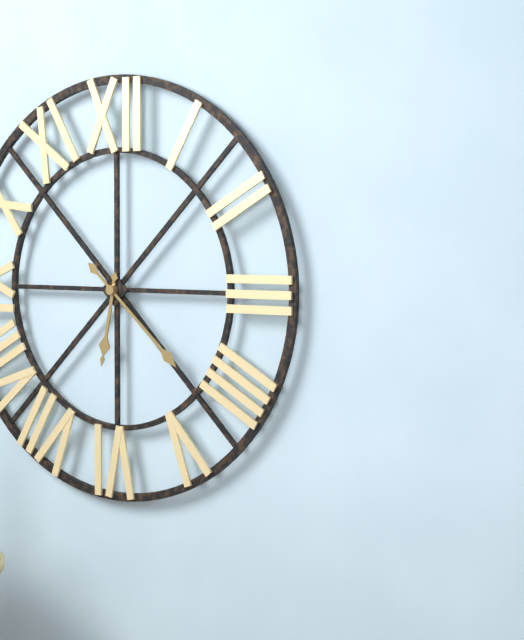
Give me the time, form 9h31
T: 6h22
